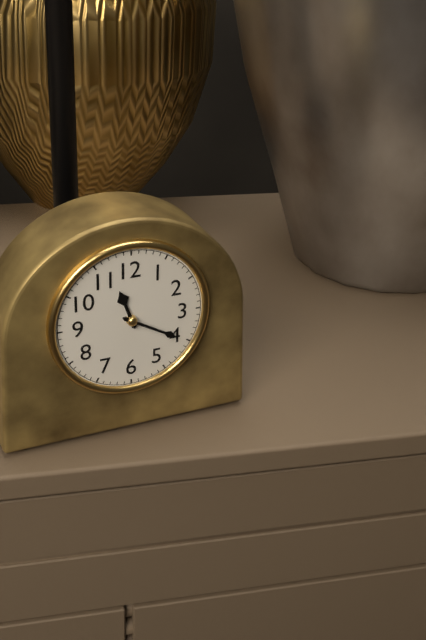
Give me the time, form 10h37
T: 11h20
